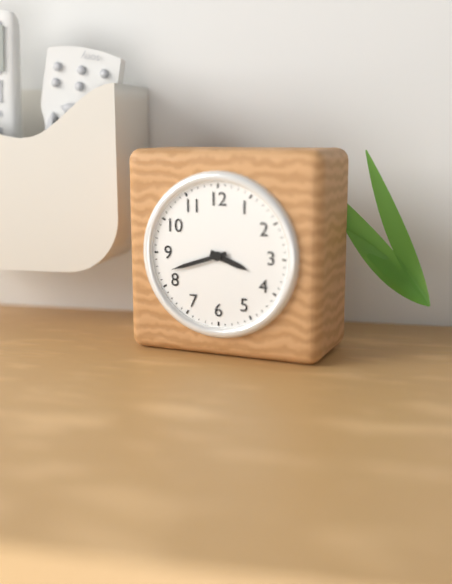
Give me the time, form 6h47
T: 3h42
